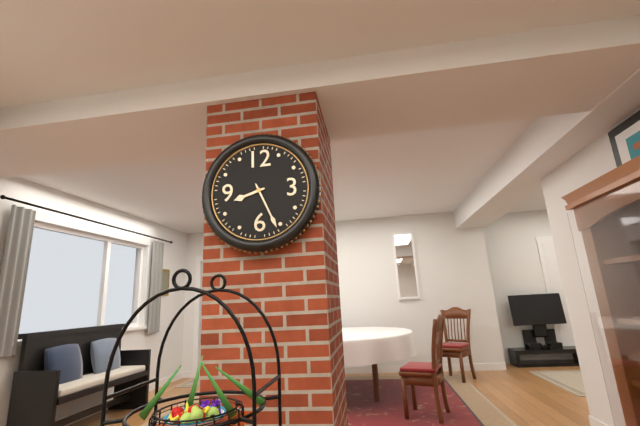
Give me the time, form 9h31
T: 8h26
